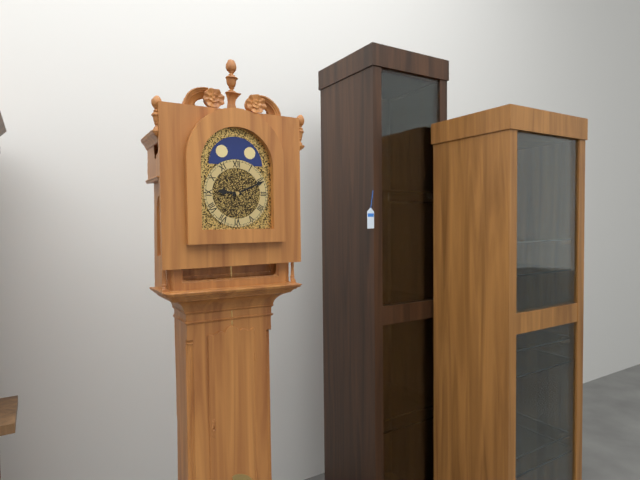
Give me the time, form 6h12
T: 9h11
